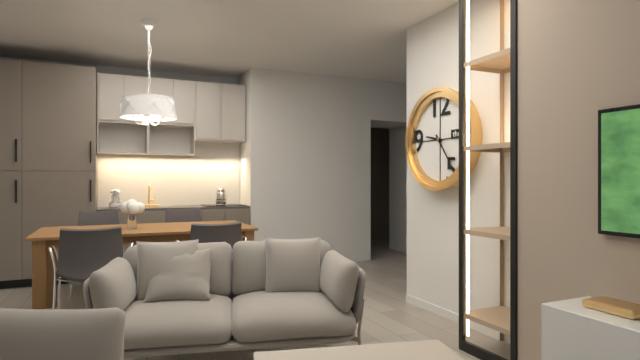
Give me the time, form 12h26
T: 9h24
